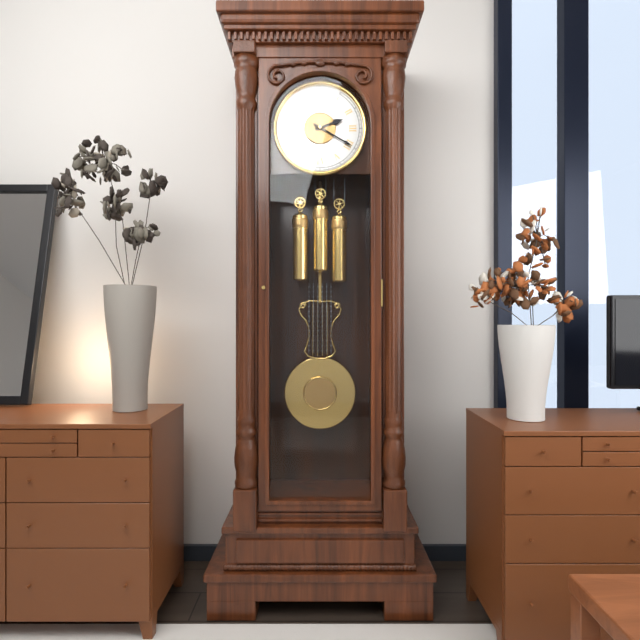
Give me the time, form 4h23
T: 2h20
